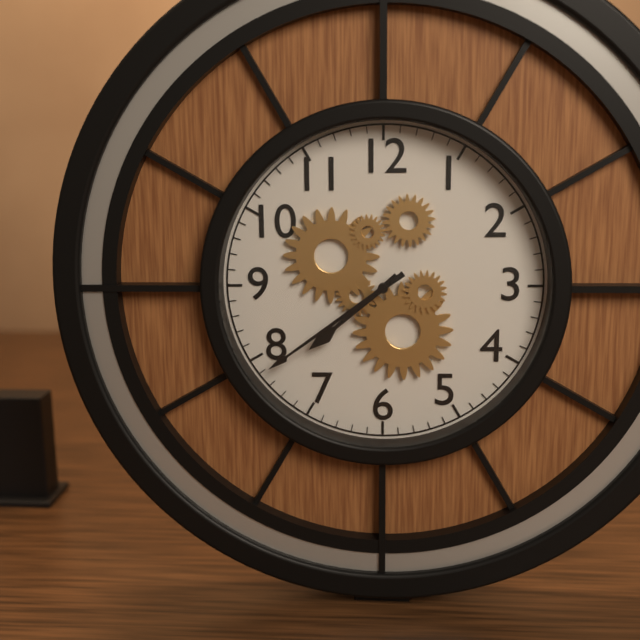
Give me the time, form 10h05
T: 7h39
